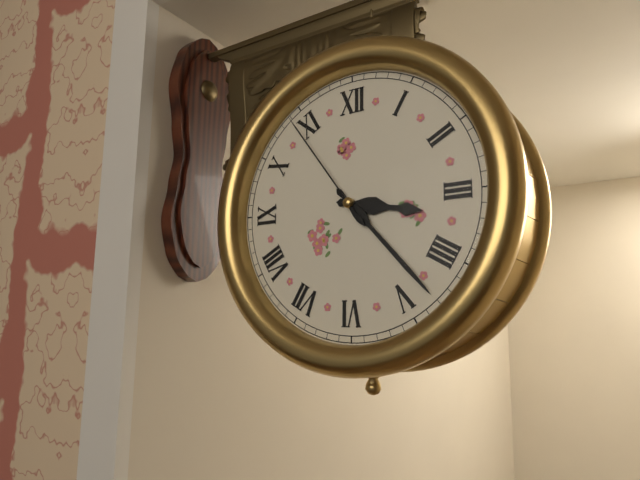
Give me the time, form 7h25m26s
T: 3h23m54s
